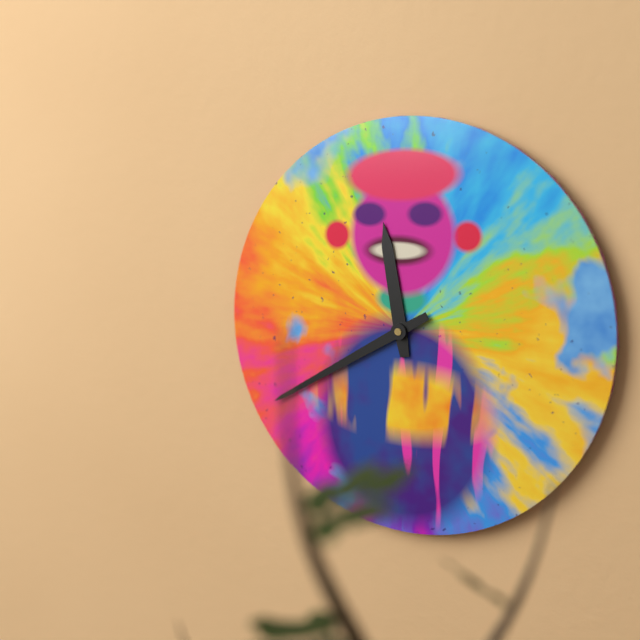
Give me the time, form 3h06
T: 11h40
